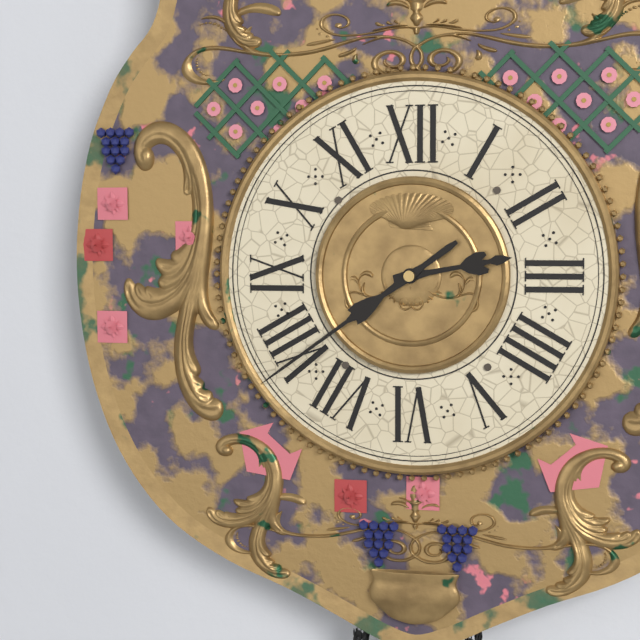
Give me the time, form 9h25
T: 2h39
